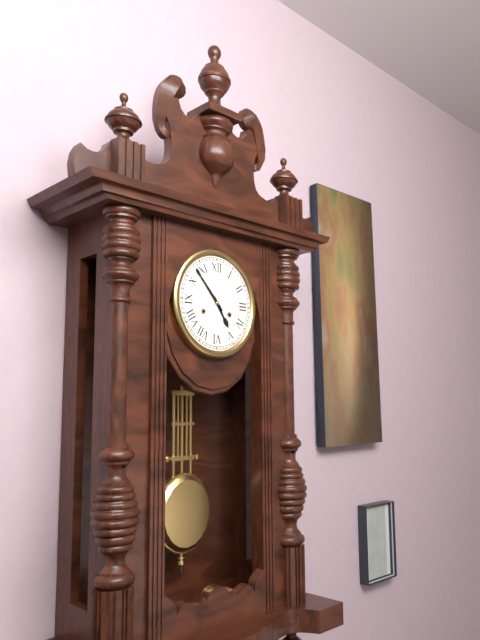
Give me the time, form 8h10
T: 4h53
